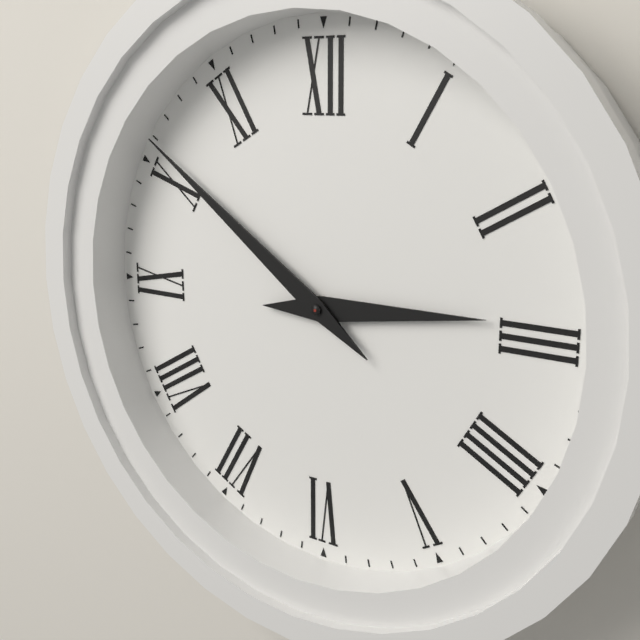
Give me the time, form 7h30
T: 2h51
